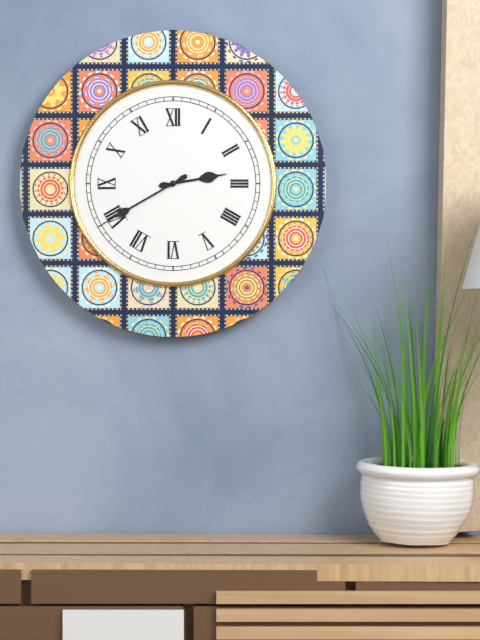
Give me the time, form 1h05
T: 2h40
